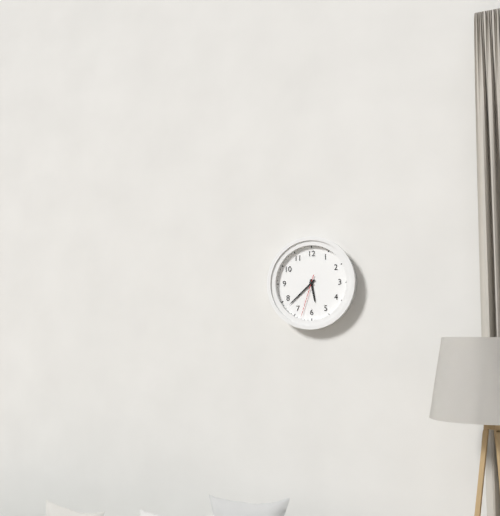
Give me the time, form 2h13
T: 5h38
